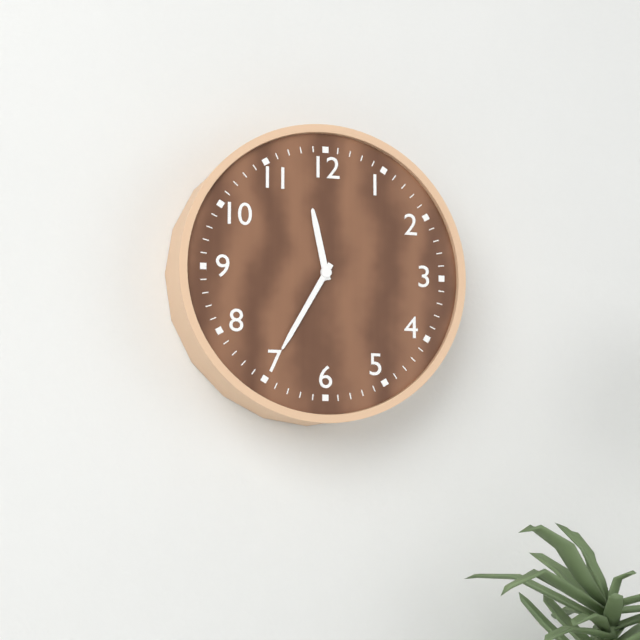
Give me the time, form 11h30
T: 11h35
